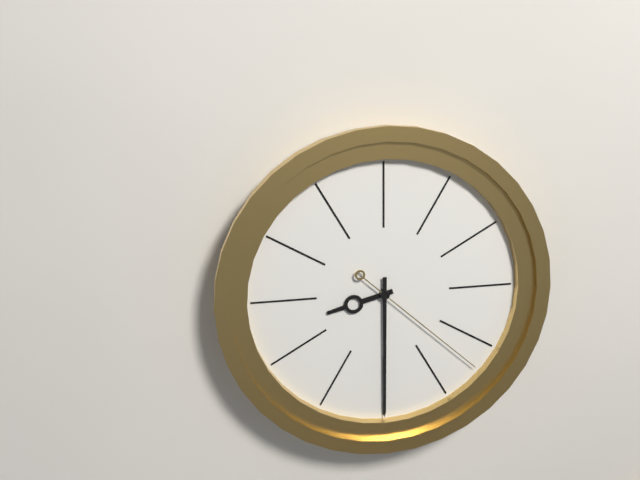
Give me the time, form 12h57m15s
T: 8h30m22s
